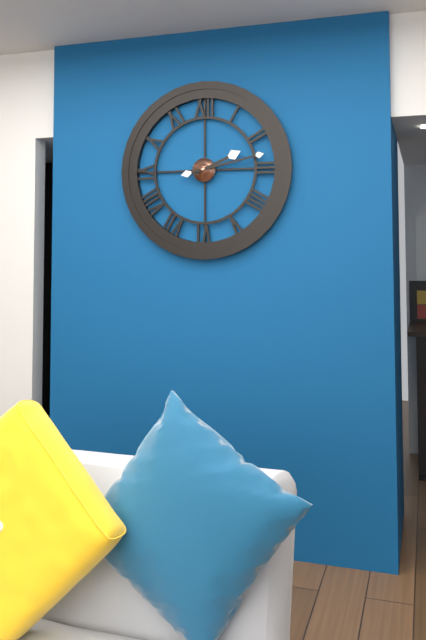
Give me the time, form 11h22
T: 2h13
